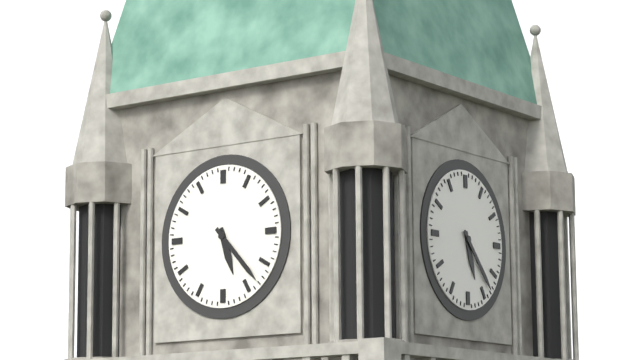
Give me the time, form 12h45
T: 5h23
